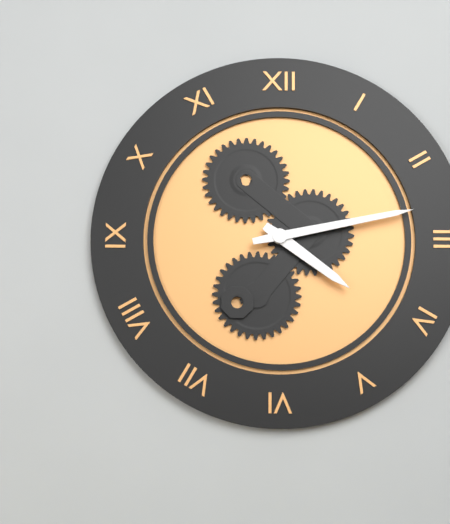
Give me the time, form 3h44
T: 4h13
